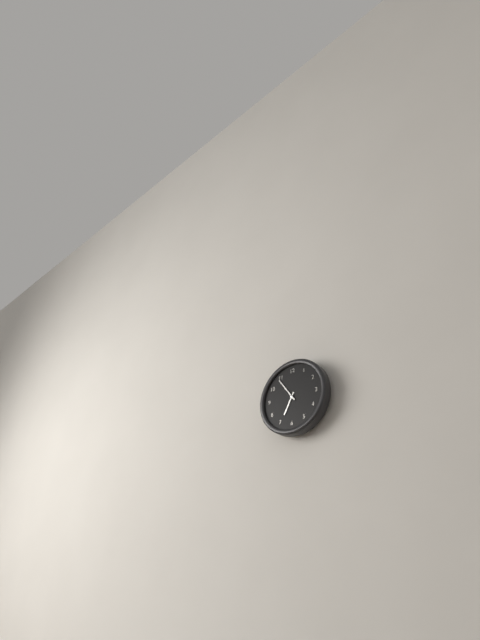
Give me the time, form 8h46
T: 6h54
